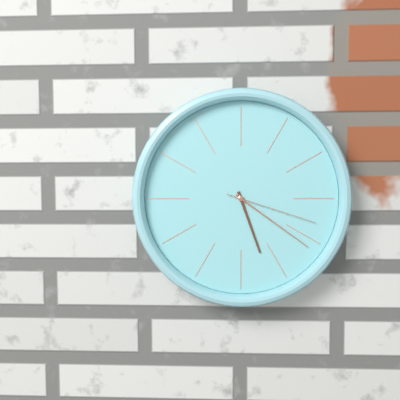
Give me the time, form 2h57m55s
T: 5h21m18s
